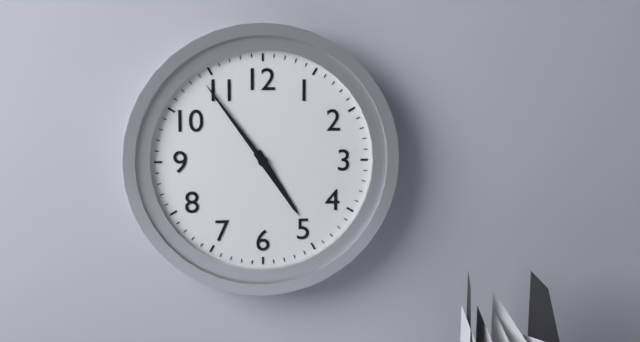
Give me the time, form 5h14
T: 4h54
